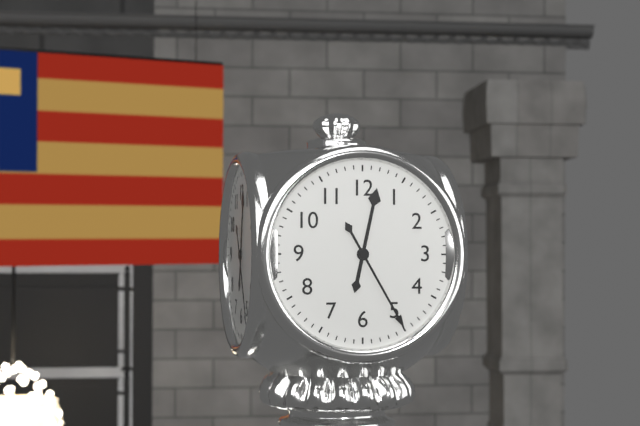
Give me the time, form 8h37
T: 12h25
